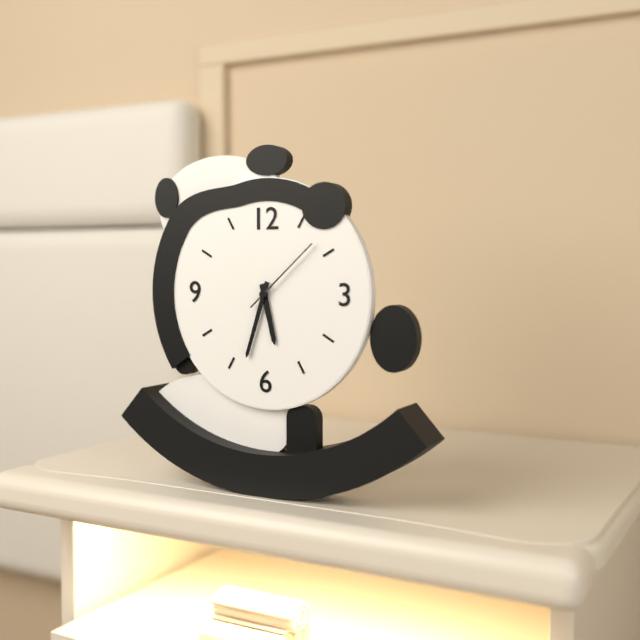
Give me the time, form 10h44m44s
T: 5h33m08s
